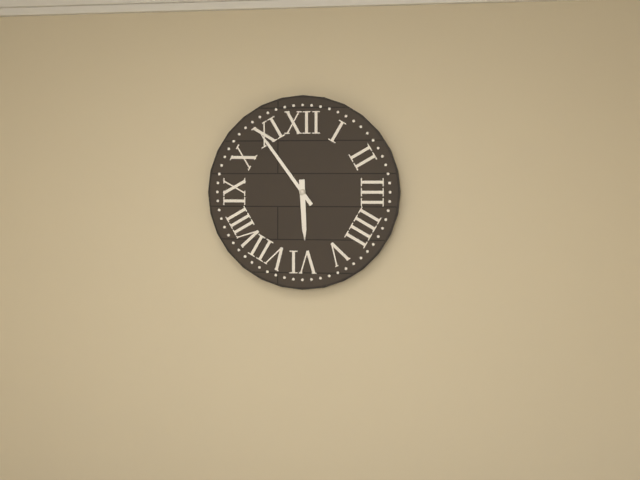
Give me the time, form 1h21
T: 5h54
